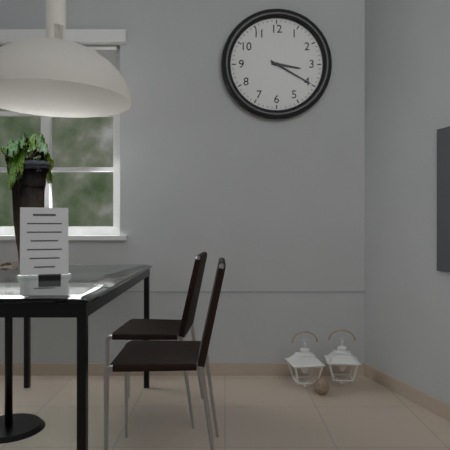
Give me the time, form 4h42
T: 3h20
